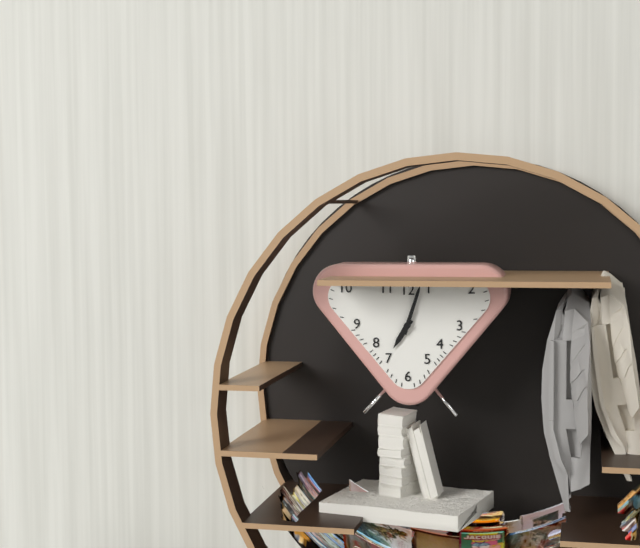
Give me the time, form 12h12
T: 7h03
